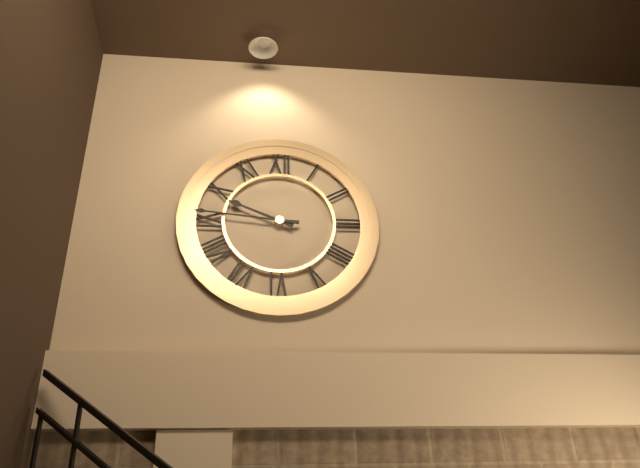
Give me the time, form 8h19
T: 9h46
